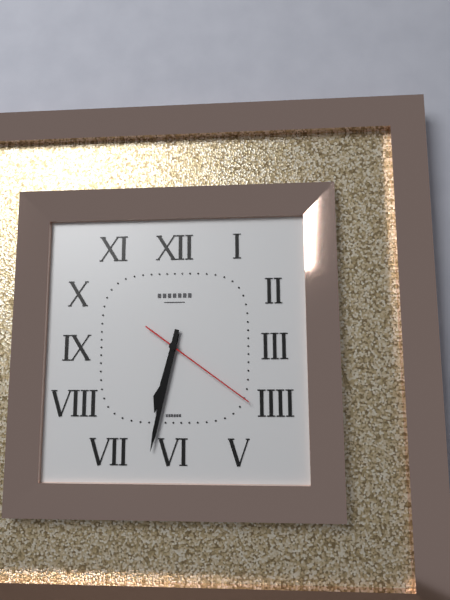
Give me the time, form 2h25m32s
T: 6h32m21s
